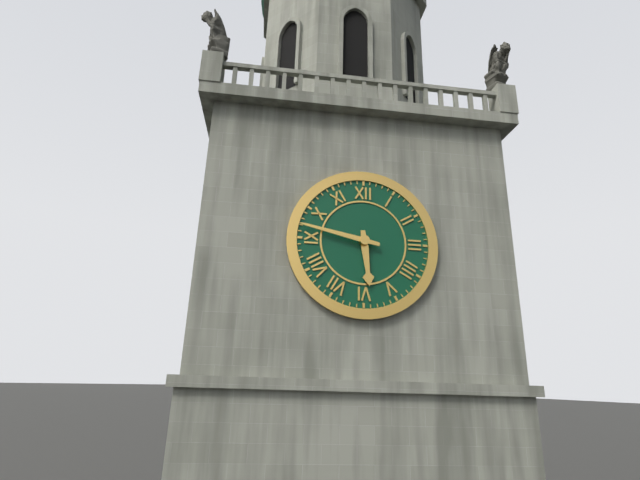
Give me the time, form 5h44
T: 5h47
